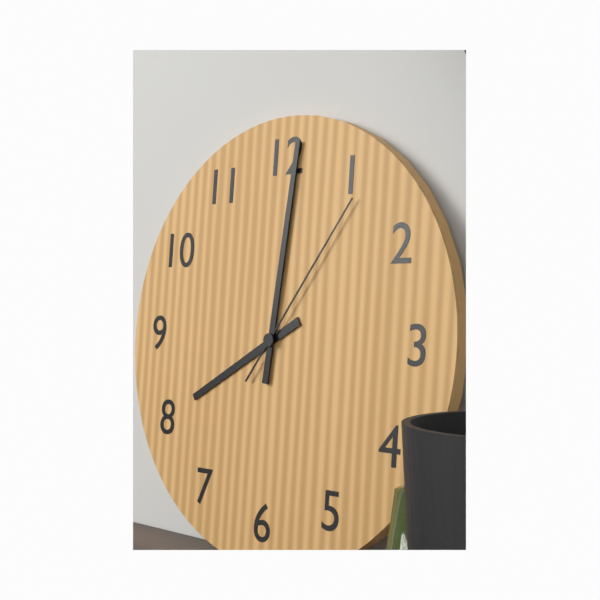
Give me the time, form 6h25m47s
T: 8h01m06s
